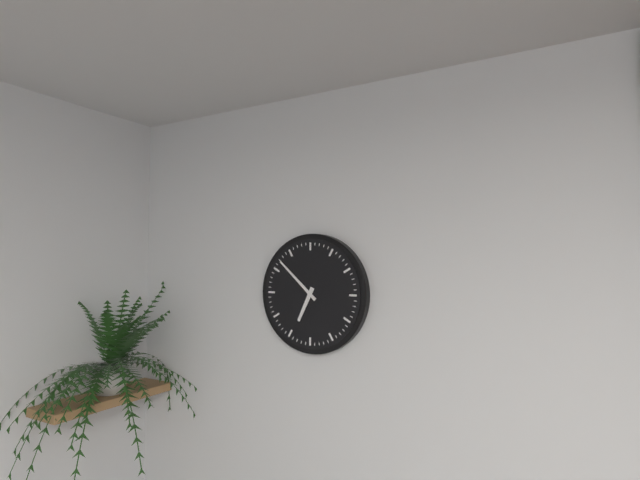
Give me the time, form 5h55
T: 6h52
